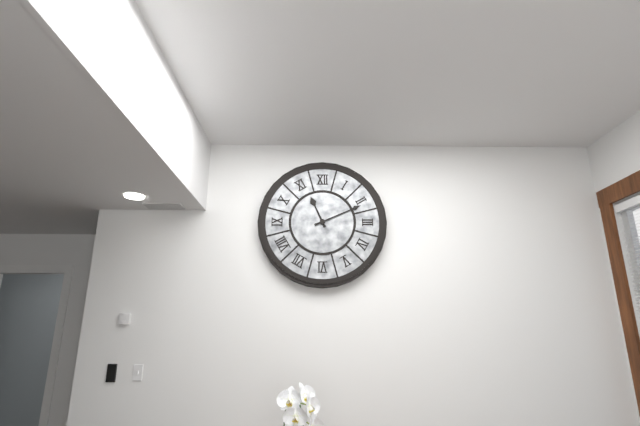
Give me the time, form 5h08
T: 11h11
